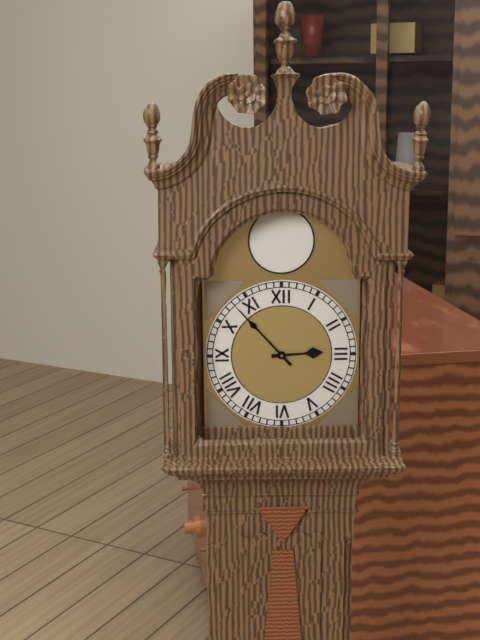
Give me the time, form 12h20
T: 2h53
